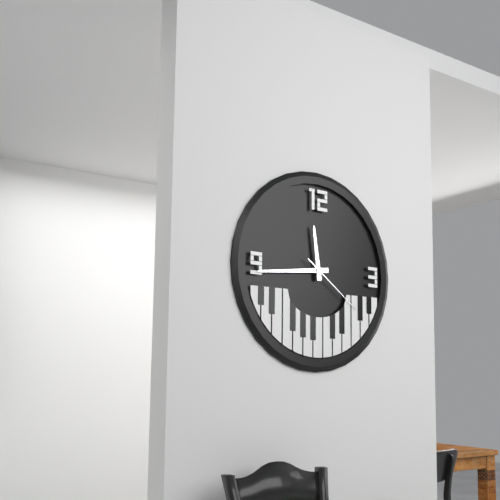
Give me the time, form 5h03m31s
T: 11h44m21s
